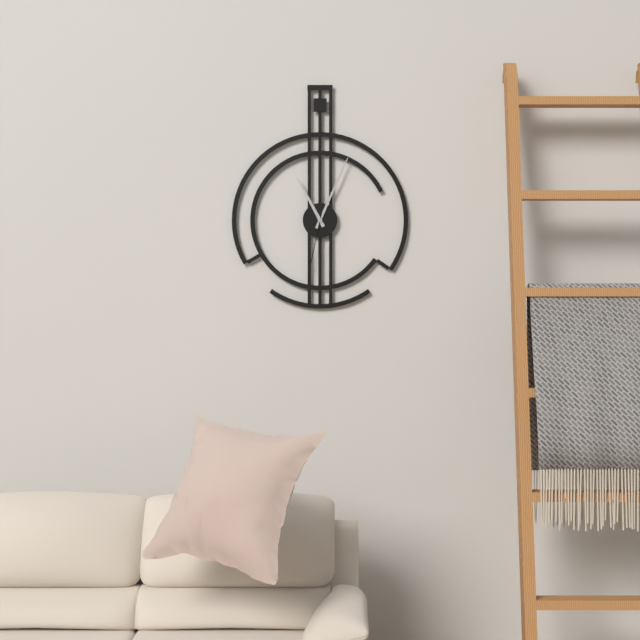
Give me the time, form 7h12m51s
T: 11h04m32s
